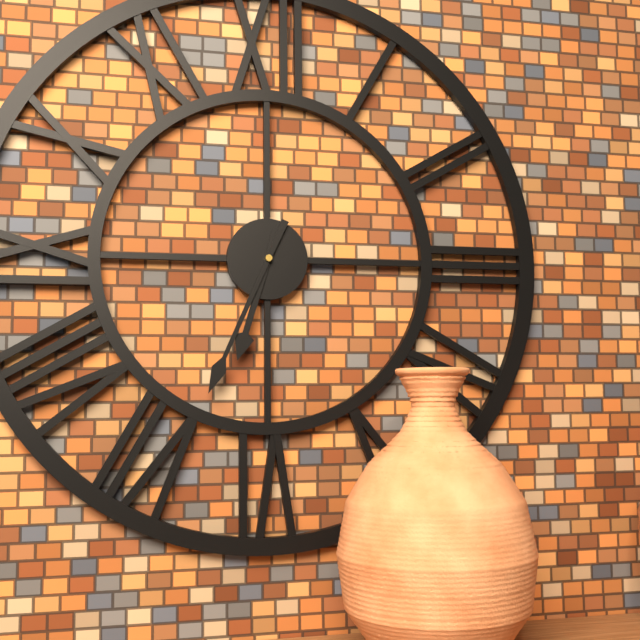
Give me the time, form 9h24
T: 6h34
